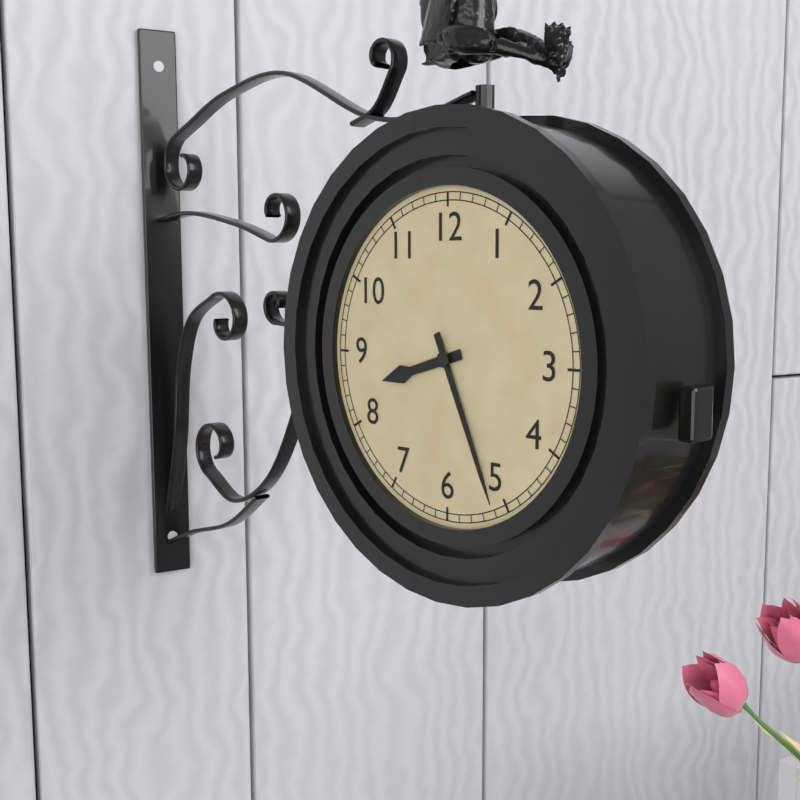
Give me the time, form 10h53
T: 8h26
